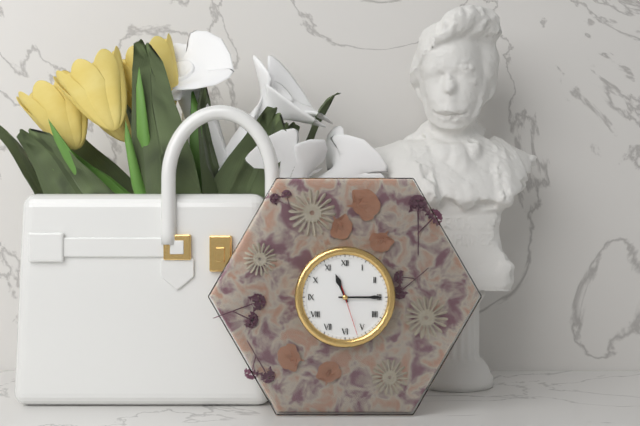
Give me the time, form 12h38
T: 11h15
